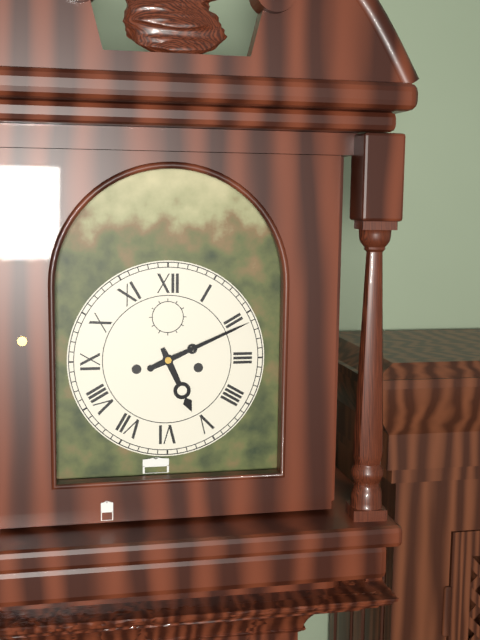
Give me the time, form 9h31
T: 5h11
